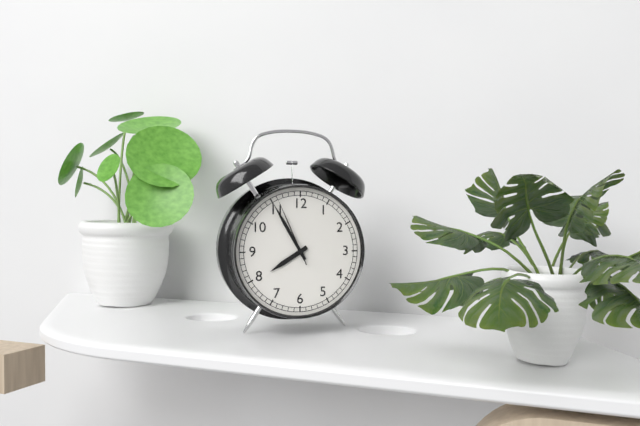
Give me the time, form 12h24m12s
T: 7h55m56s
